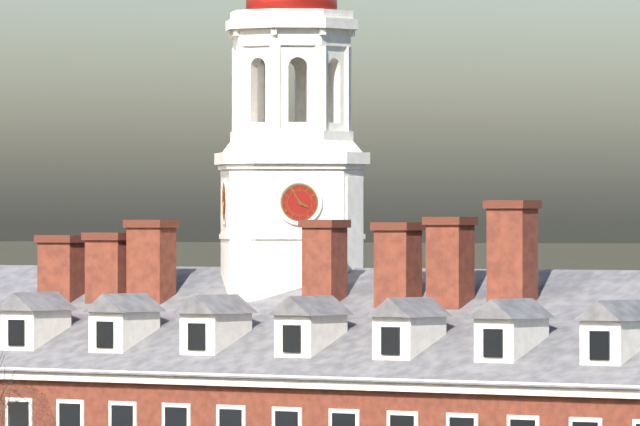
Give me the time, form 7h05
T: 3h55
